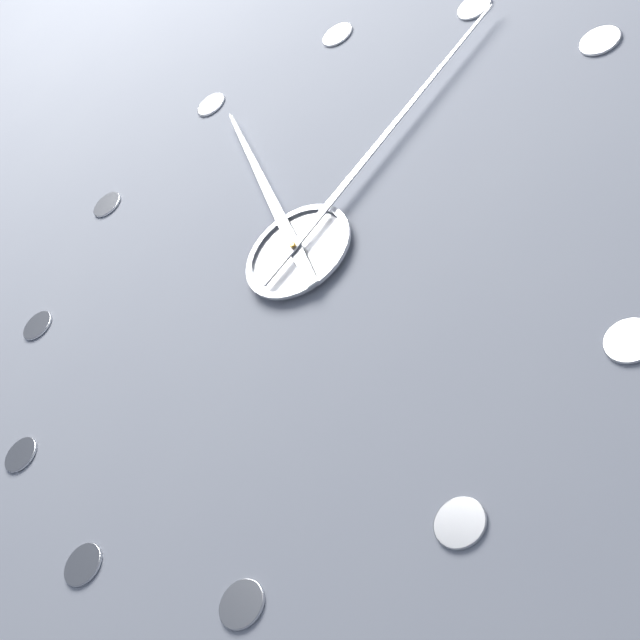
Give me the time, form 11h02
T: 11h06
